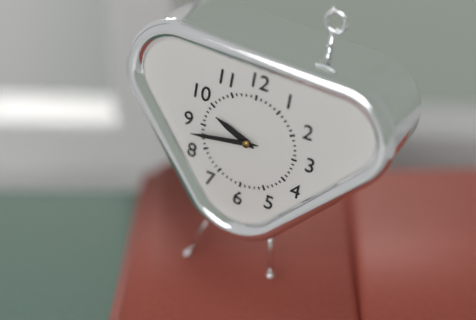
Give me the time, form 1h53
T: 9h43
